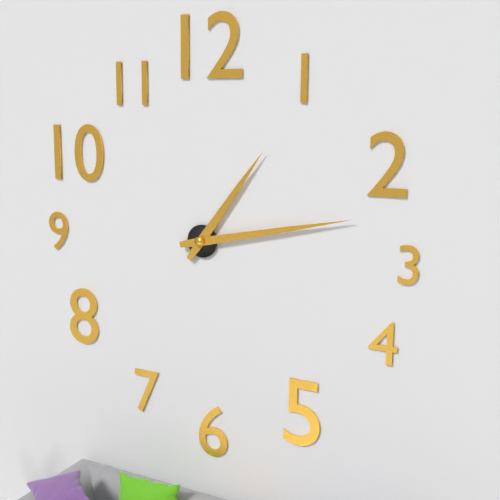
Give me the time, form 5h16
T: 1h13
